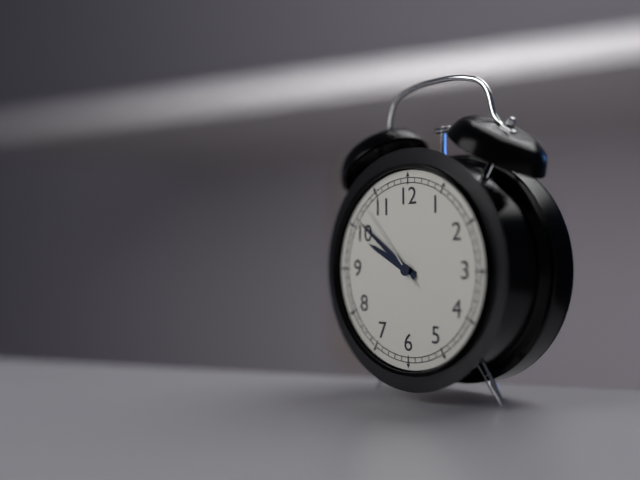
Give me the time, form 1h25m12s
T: 9h51m53s
